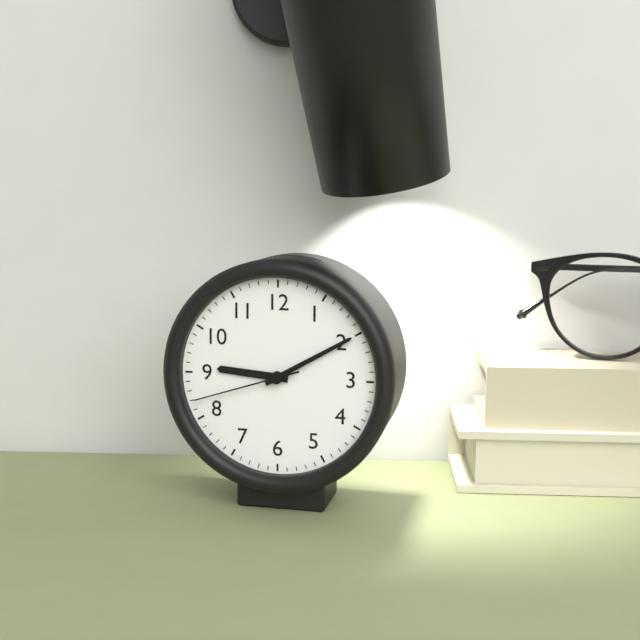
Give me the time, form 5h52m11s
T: 9h10m42s
